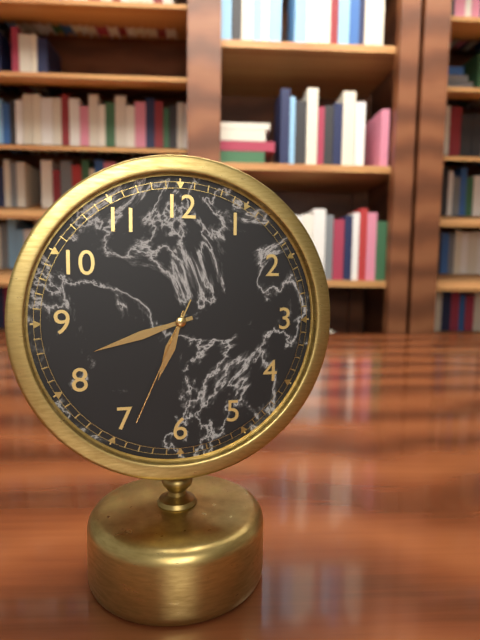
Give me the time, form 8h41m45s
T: 6h42m34s
